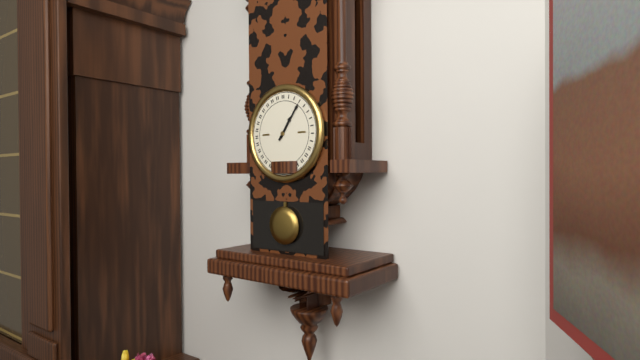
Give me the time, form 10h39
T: 1h06
